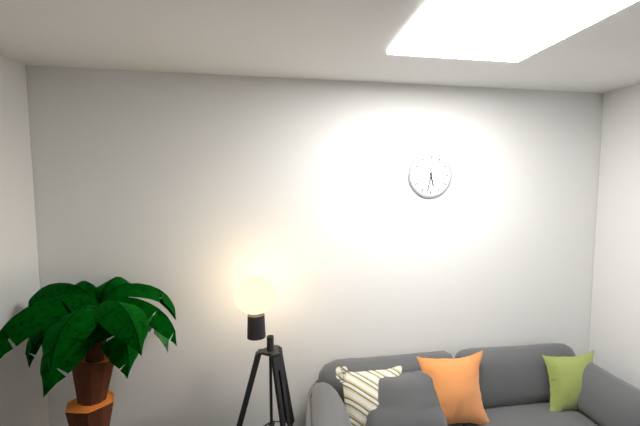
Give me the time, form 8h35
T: 5h32
